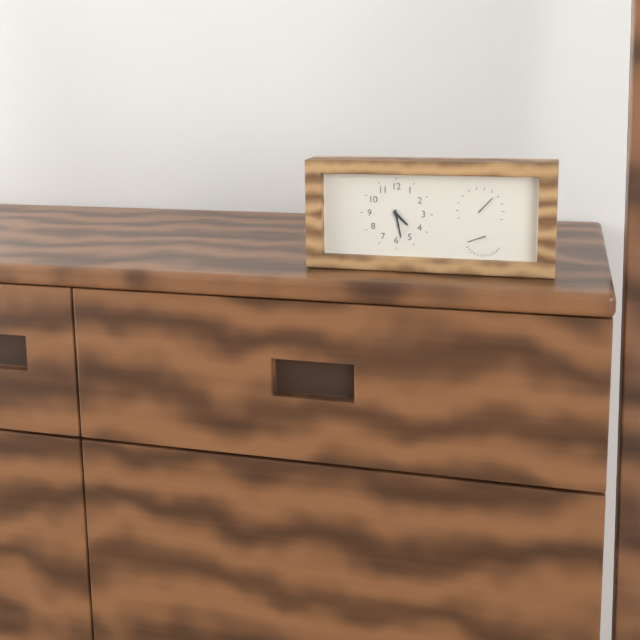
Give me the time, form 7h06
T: 4h28
